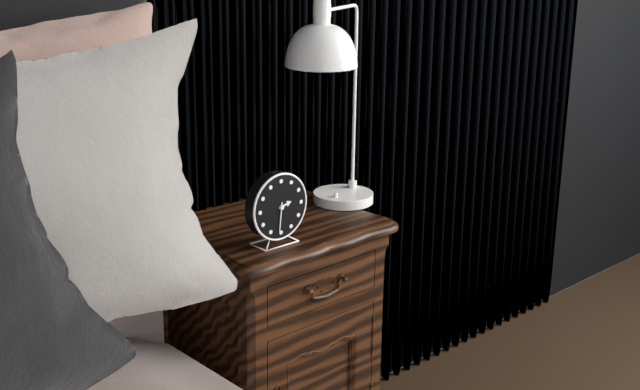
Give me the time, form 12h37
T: 2h31
